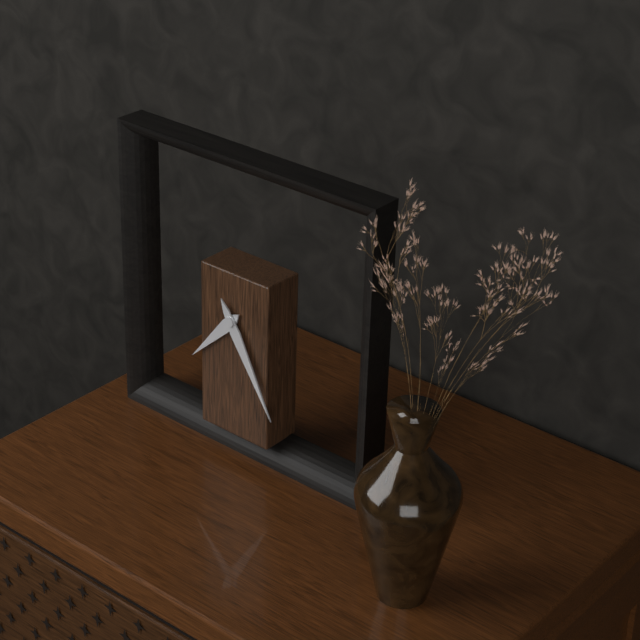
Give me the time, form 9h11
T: 7h25
